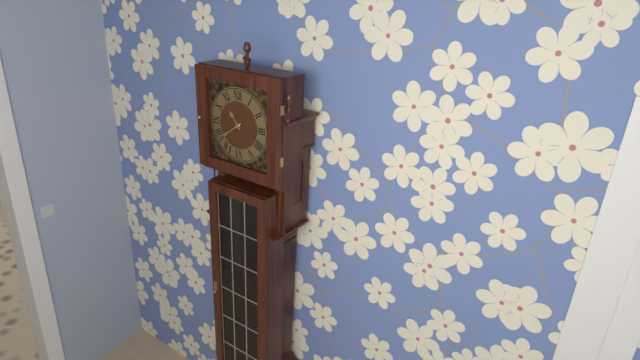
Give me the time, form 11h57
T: 10h39
